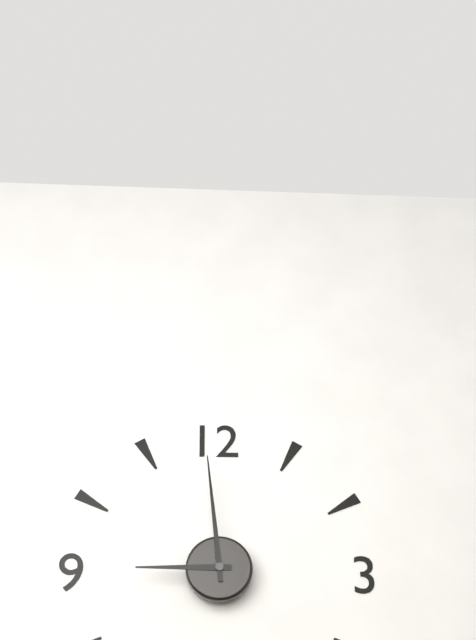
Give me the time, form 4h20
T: 8h59
